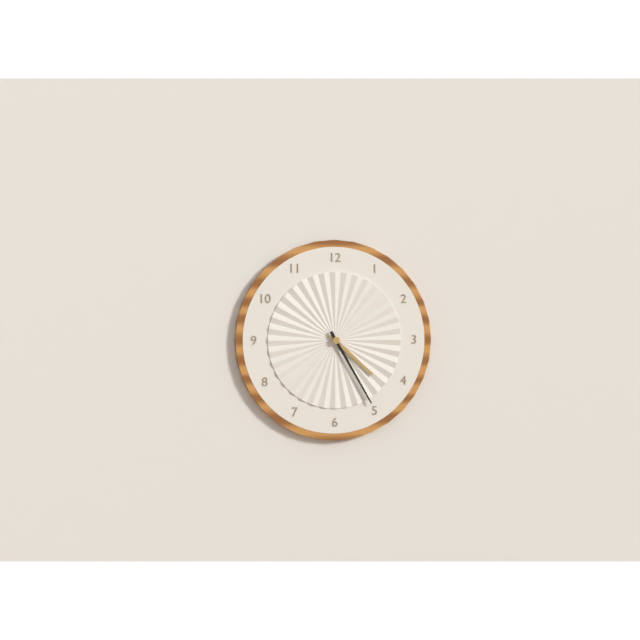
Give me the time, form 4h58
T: 4h25
